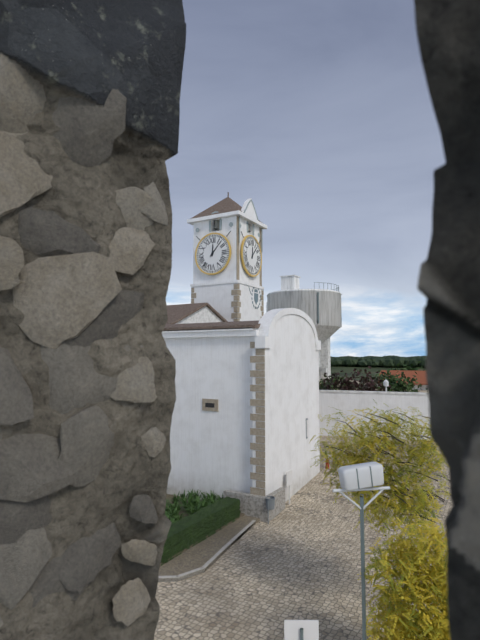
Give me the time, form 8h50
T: 12h07
